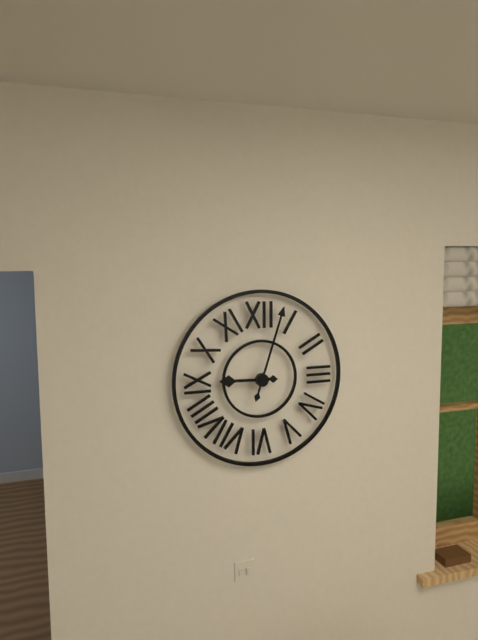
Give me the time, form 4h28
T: 9h03
